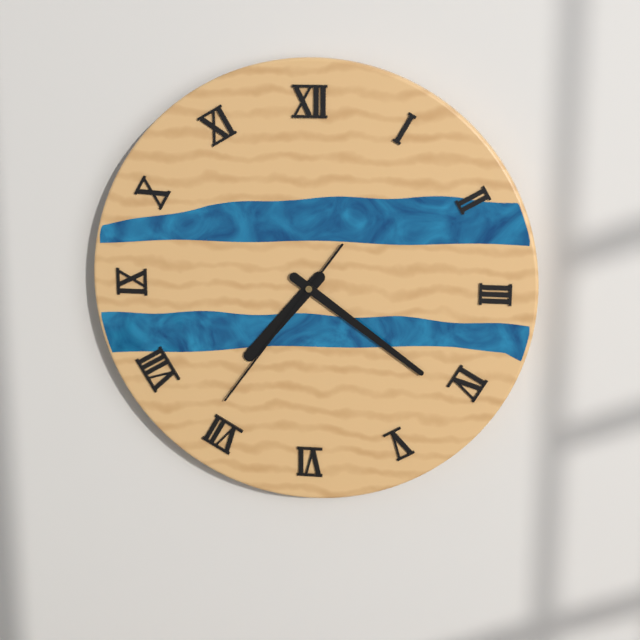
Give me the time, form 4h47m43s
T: 7h21m36s
